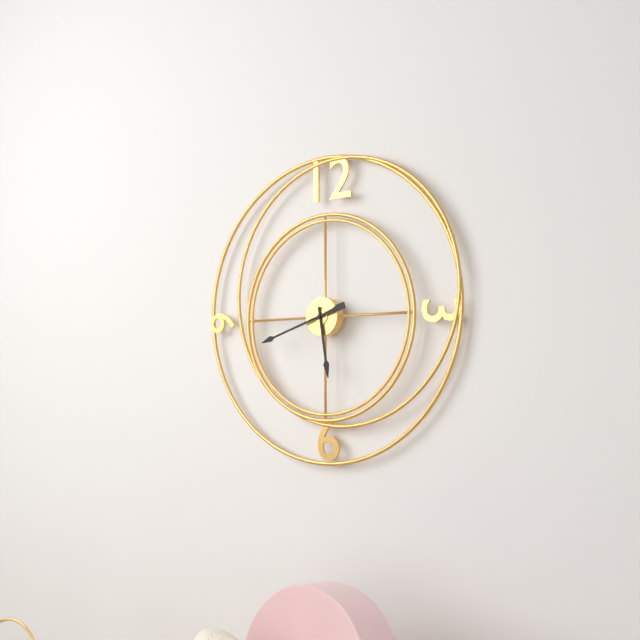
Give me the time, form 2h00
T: 5h42
